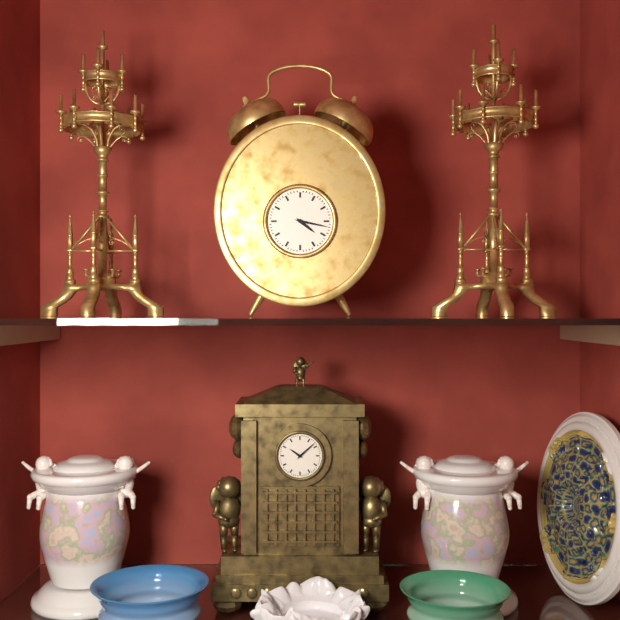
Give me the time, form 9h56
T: 4h17
